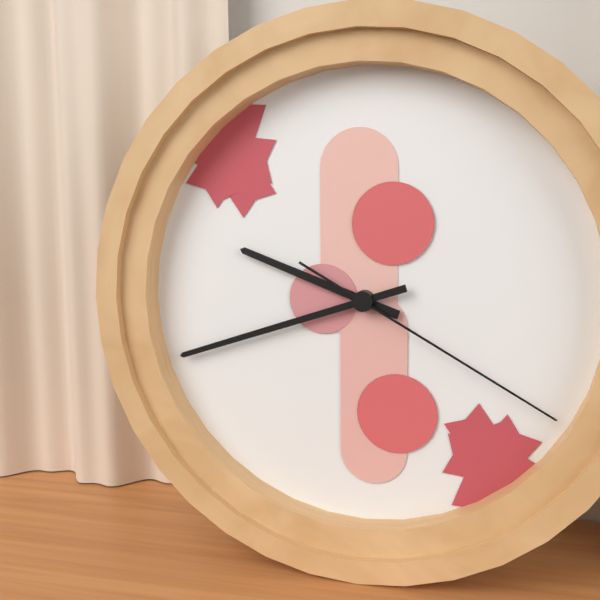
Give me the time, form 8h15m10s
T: 9h42m20s
